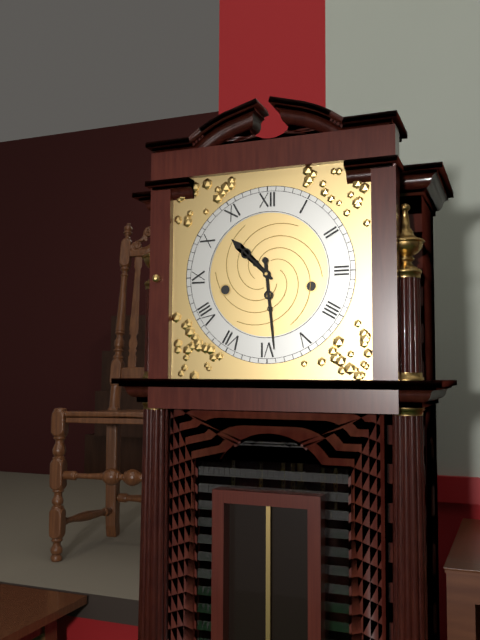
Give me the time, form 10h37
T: 10h29
